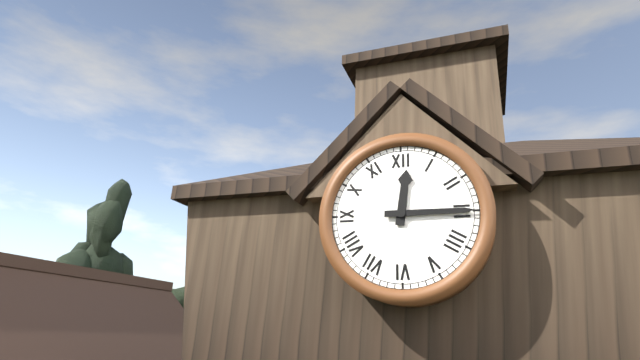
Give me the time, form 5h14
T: 12h15
